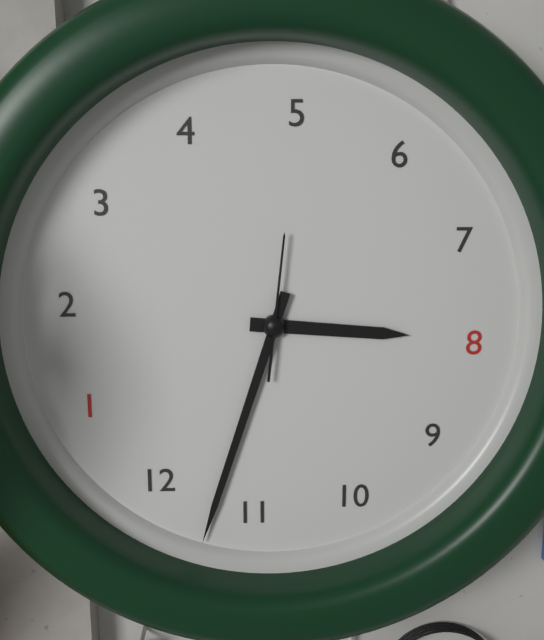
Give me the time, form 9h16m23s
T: 7h57m25s
